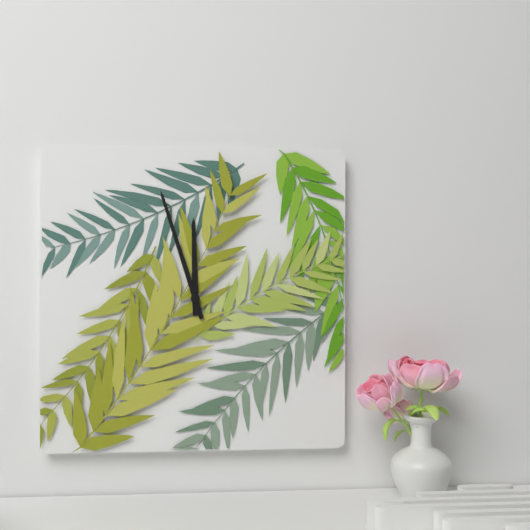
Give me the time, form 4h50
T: 11h57
